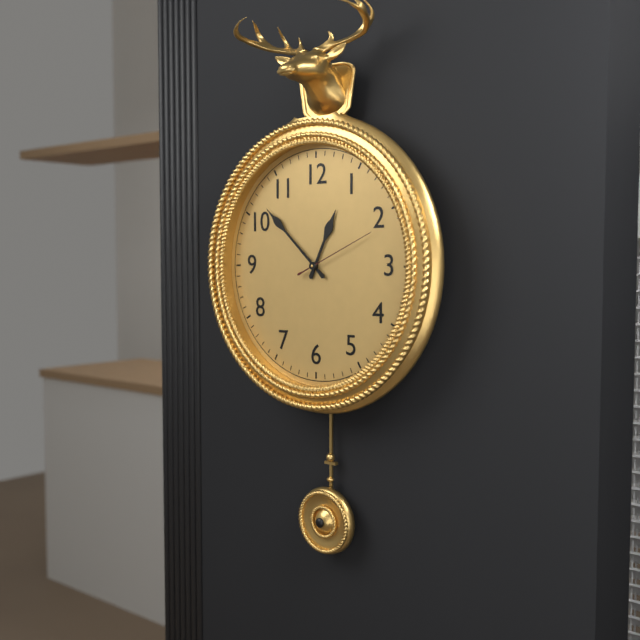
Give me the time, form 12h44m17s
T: 12h52m11s
